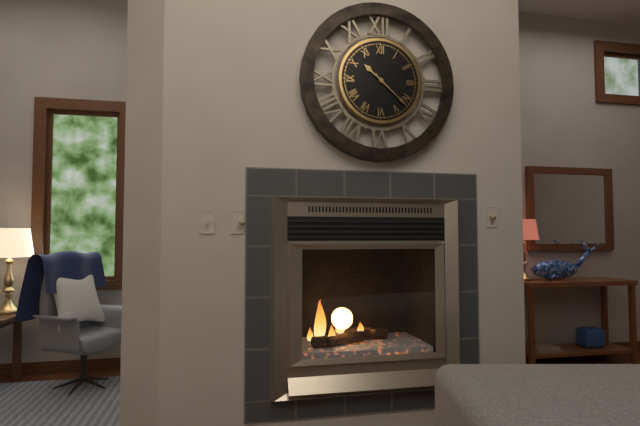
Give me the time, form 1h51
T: 10h22
